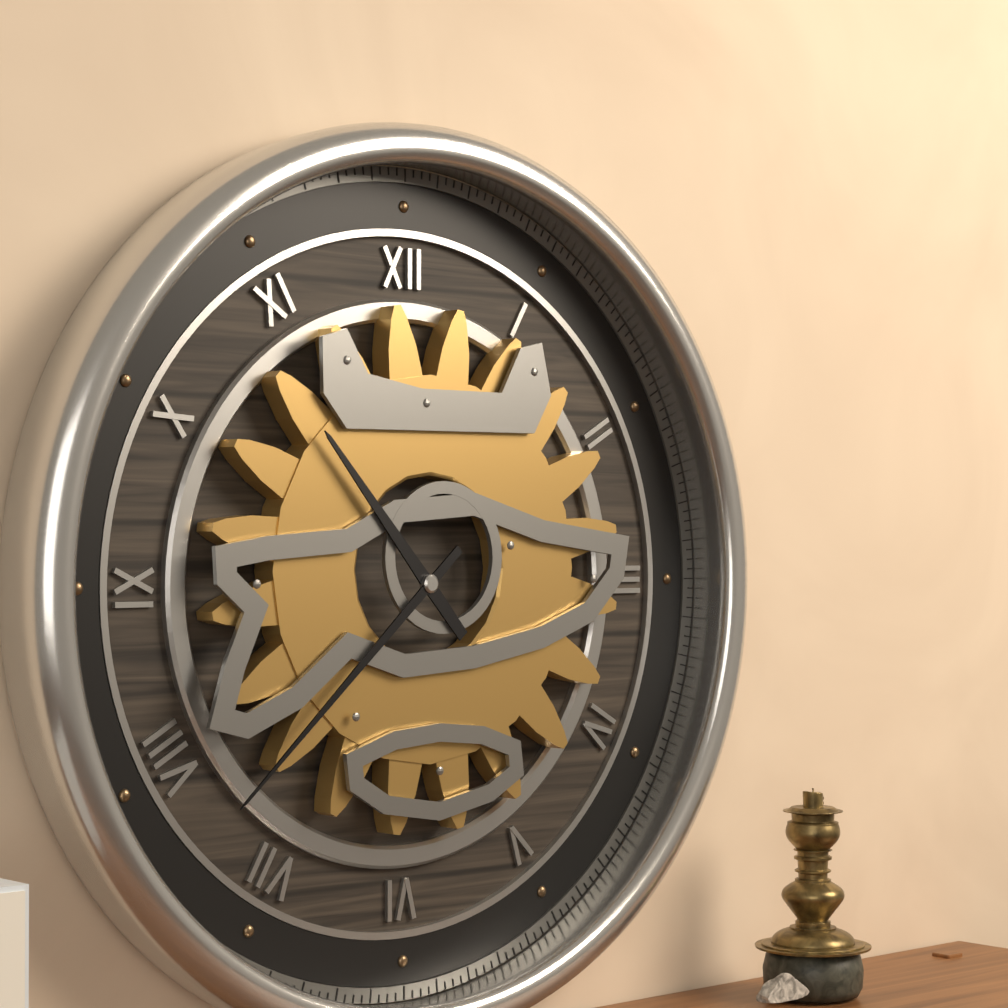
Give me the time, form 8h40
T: 10h38
